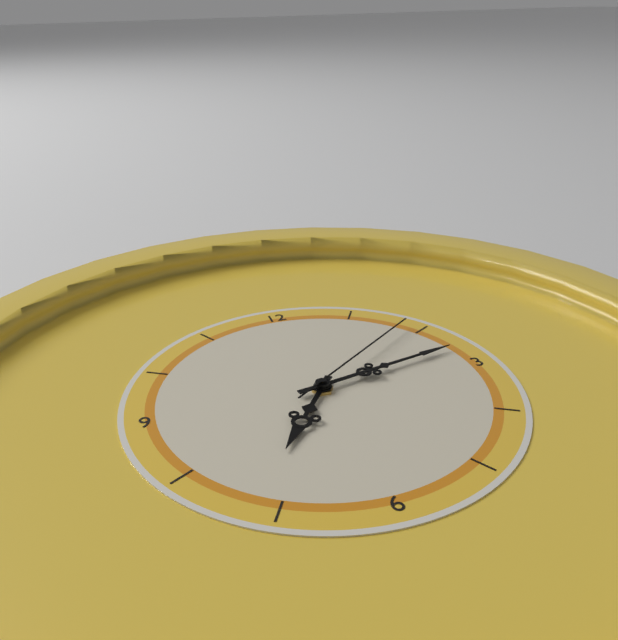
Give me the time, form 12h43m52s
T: 7h13m09s
